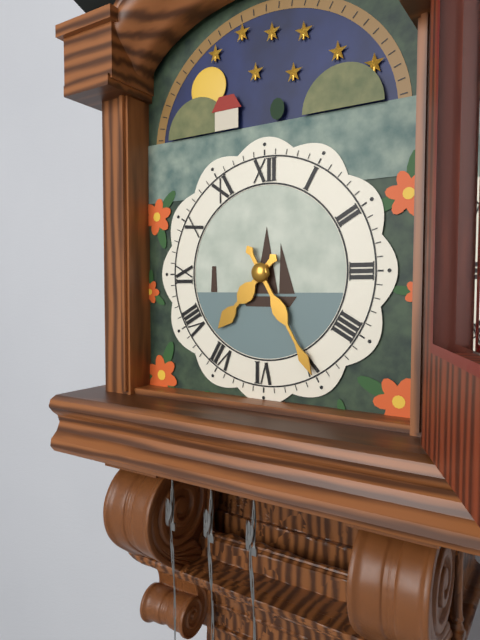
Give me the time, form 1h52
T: 7h25
